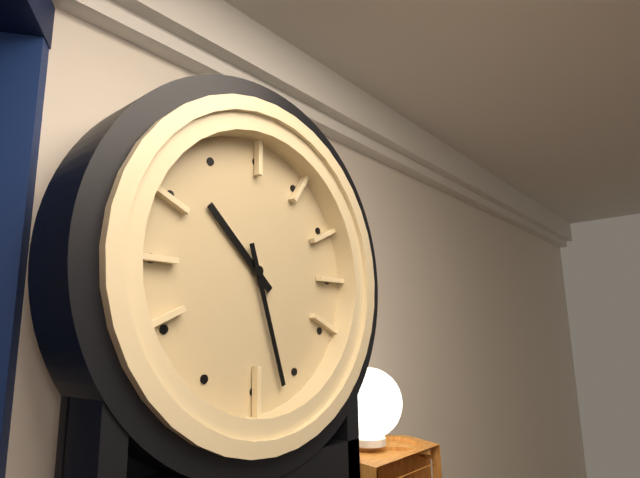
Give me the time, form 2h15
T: 10h27
